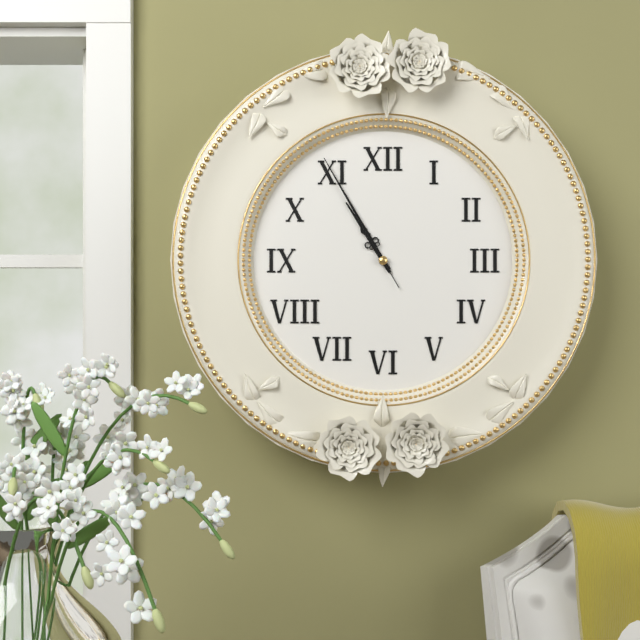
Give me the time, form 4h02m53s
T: 10h55m55s
